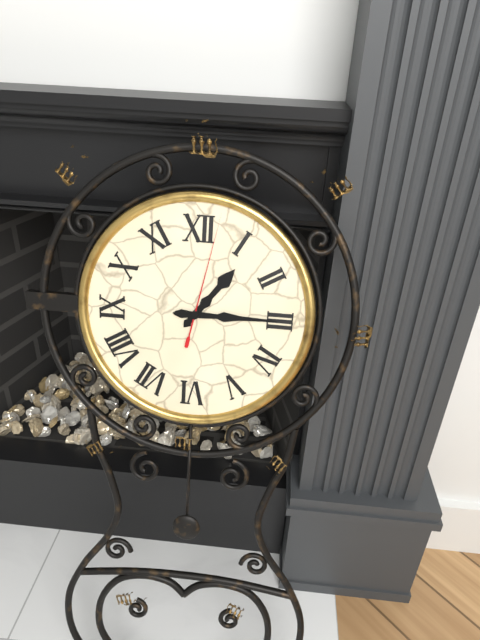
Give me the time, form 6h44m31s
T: 1h15m02s
